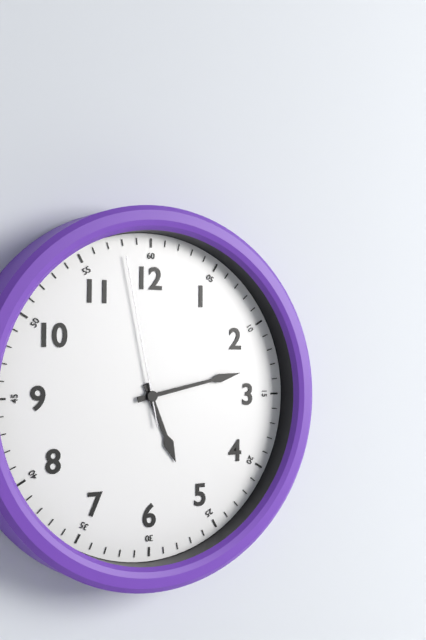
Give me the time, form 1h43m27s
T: 5h13m58s
